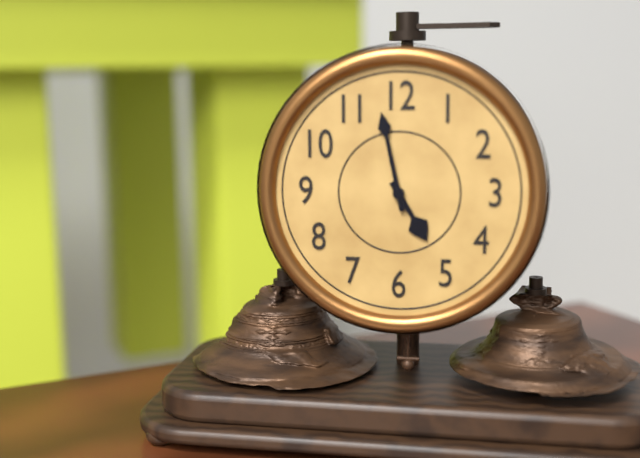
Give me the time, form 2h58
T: 4h58
